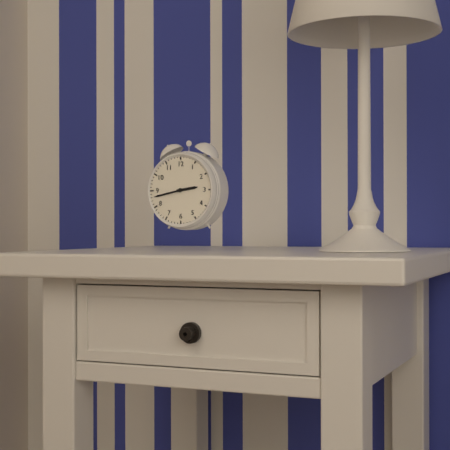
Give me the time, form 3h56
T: 2h43
